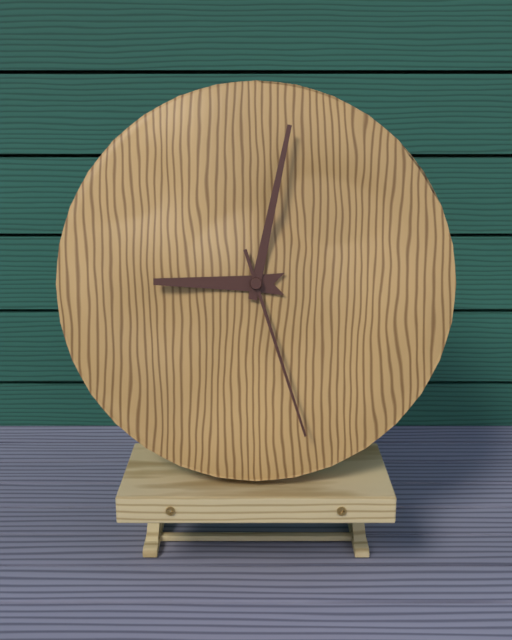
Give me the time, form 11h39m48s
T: 9h02m27s
